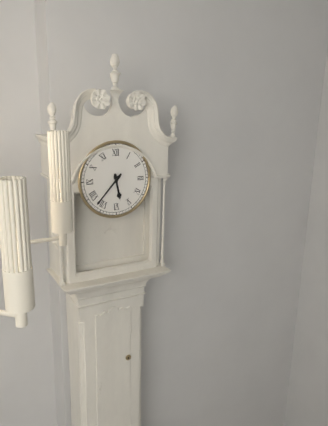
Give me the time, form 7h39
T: 5h37
